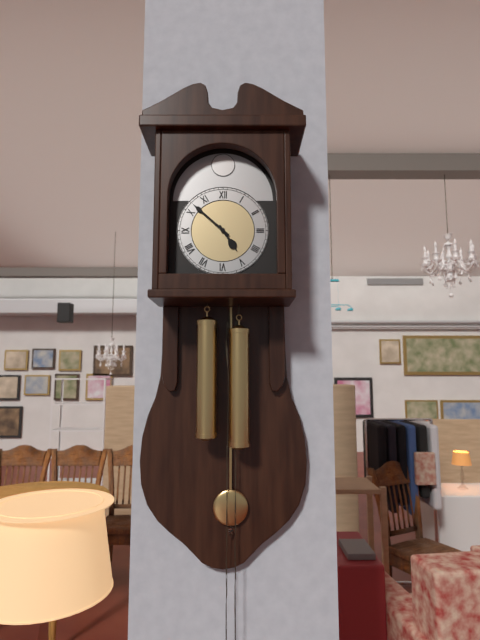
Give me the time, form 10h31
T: 4h52
